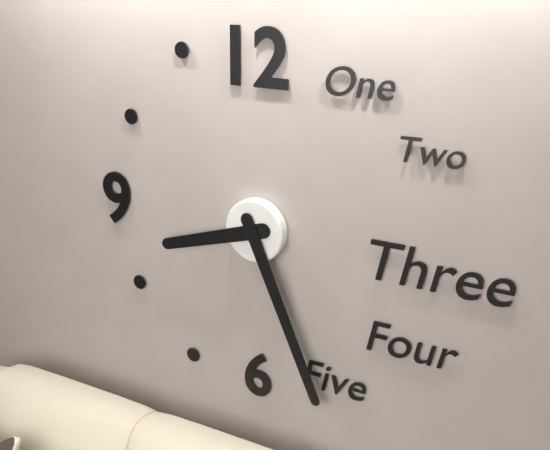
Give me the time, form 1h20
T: 8h26
